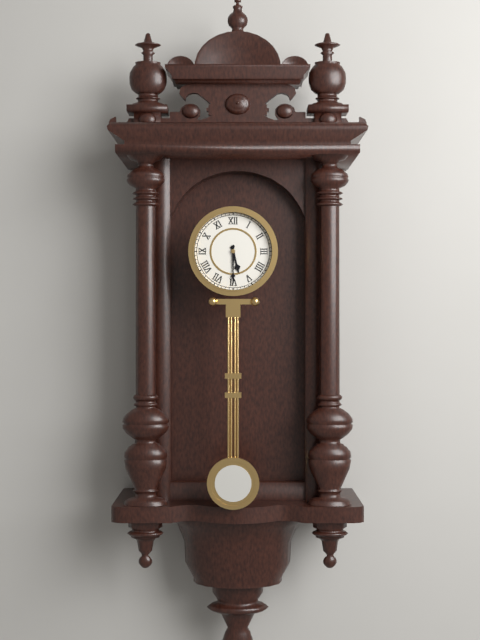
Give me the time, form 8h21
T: 5h30
